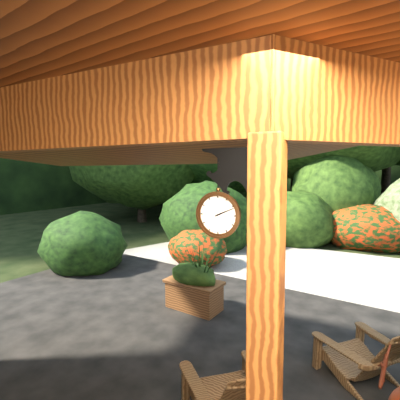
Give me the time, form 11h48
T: 2h11
